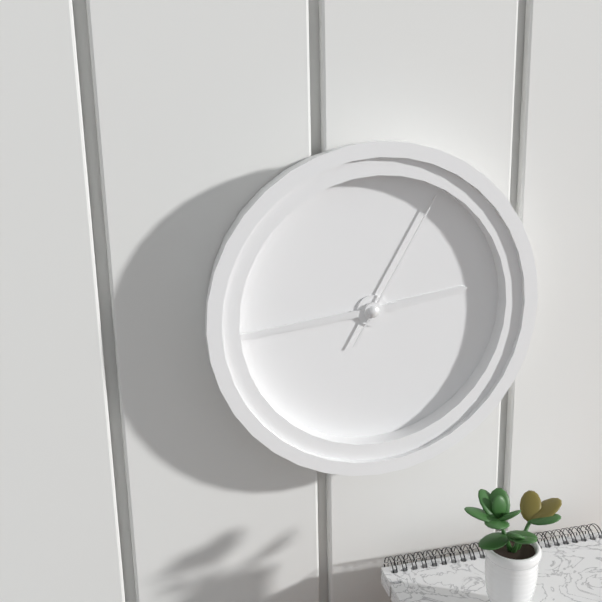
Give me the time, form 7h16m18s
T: 2h44m05s
